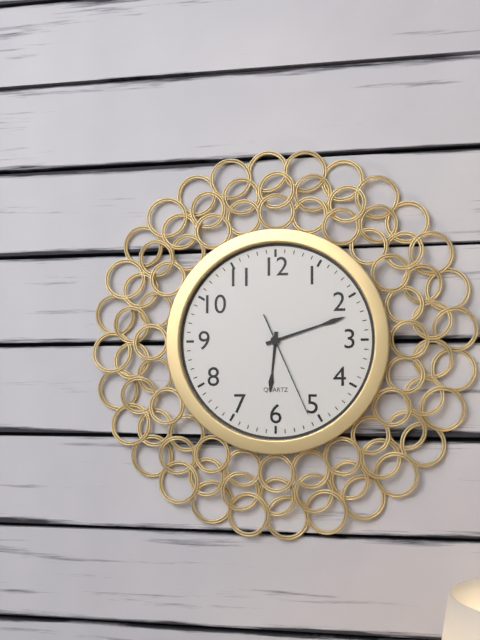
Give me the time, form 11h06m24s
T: 6h12m26s
